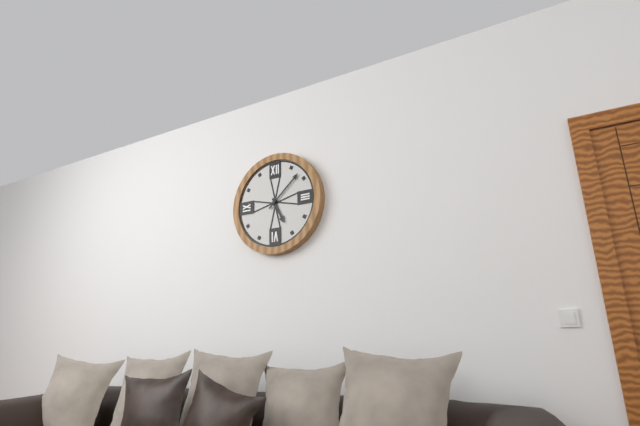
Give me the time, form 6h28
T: 5h08
